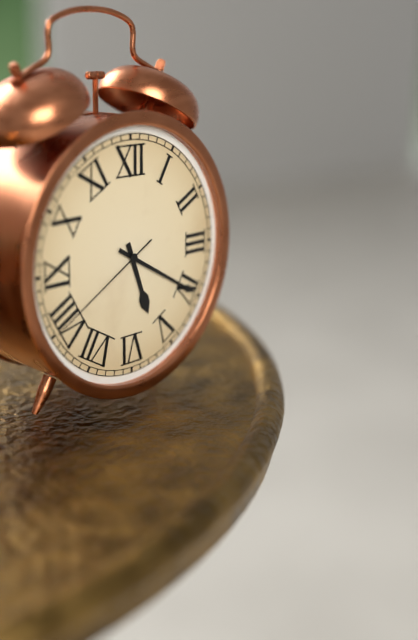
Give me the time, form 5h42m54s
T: 5h20m40s
